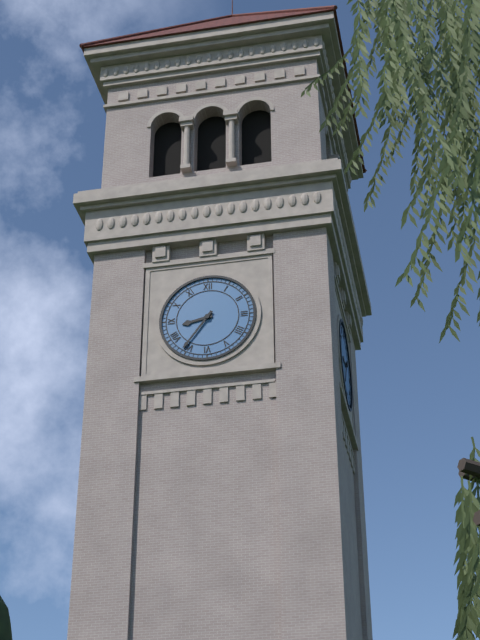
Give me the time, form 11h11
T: 8h36
